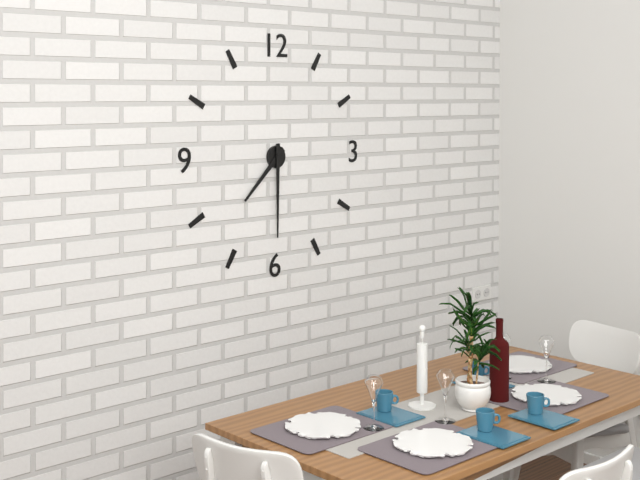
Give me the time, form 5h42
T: 7h30
